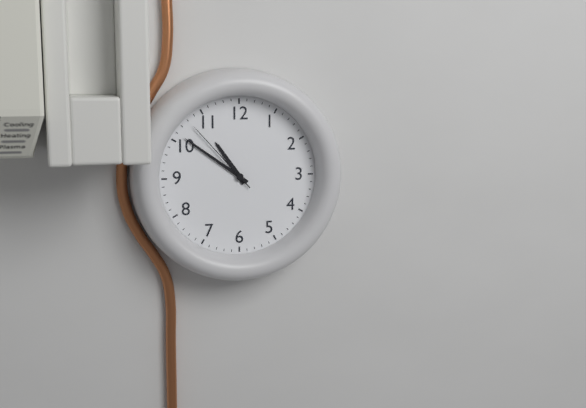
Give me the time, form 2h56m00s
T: 10h51m53s
